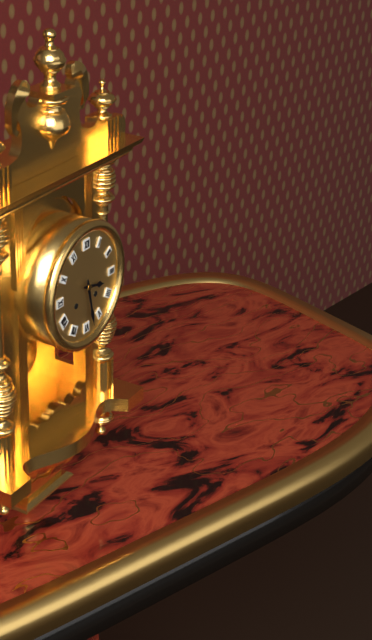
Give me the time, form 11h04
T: 3h28
